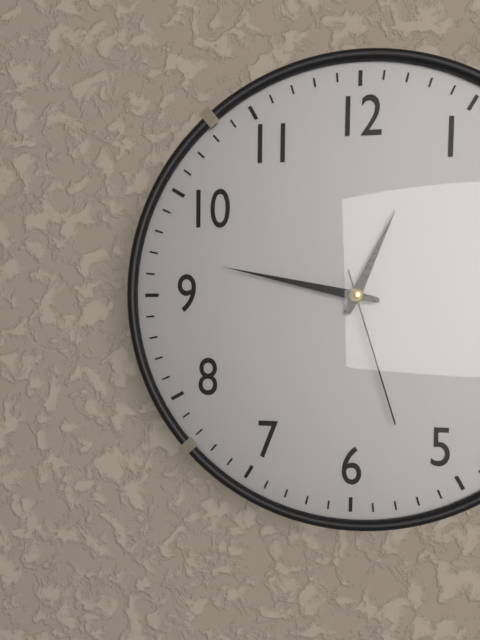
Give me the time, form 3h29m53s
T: 12h47m27s
